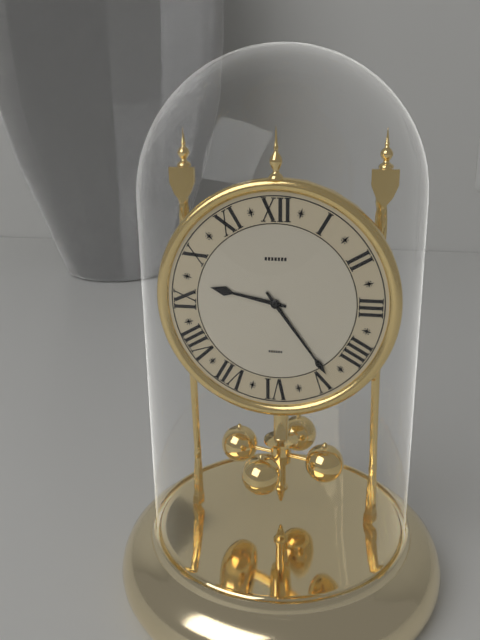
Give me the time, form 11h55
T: 9h24
